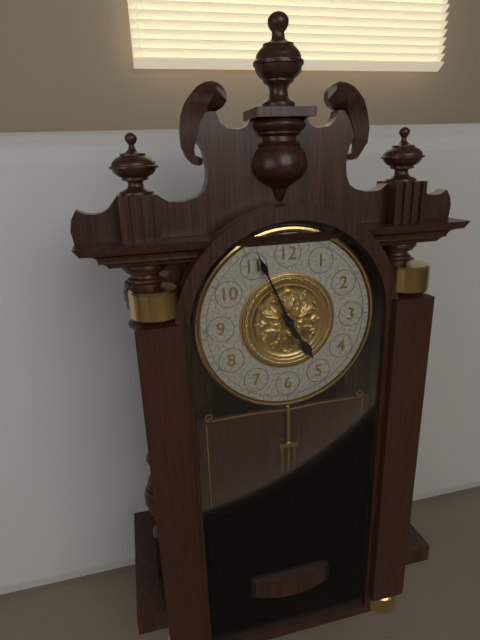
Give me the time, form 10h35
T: 4h56
